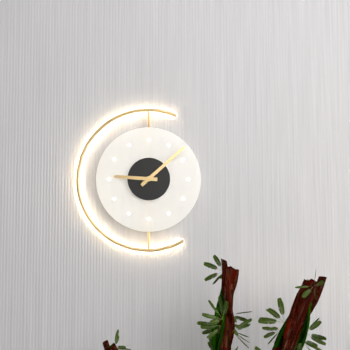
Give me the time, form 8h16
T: 9h08
